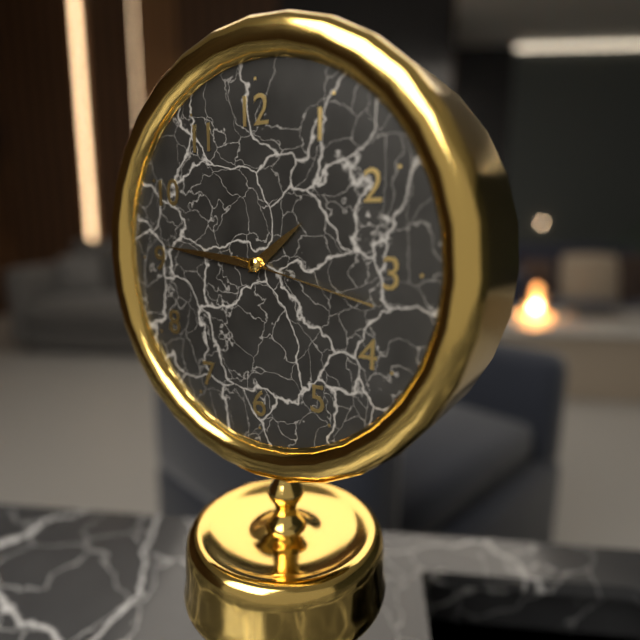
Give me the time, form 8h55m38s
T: 1h46m17s
